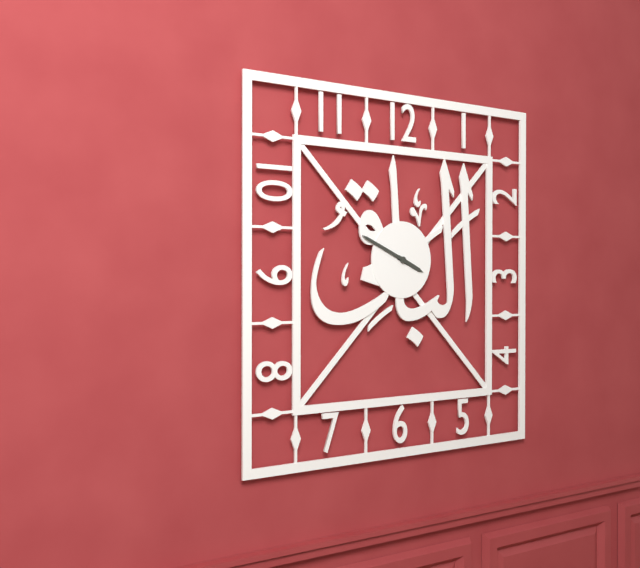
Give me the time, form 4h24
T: 3h49
